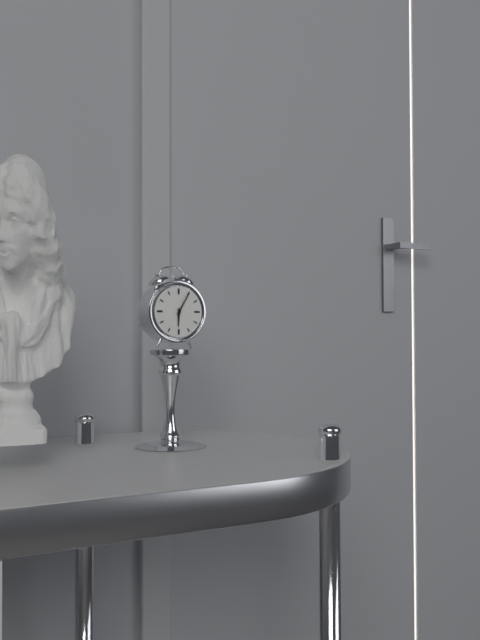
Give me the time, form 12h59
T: 6h05
